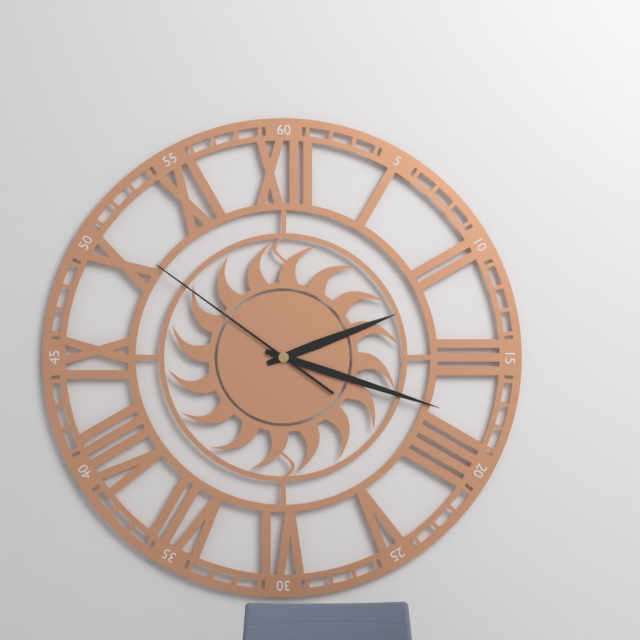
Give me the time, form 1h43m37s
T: 2h18m51s
